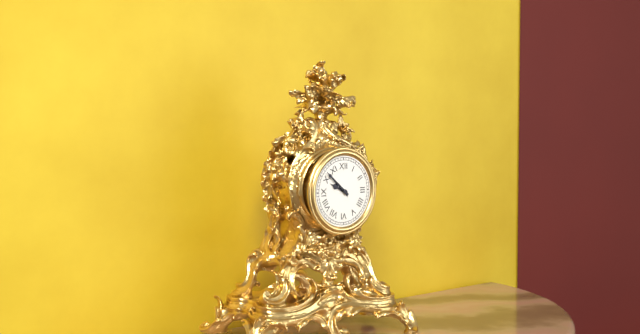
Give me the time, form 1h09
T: 9h52
